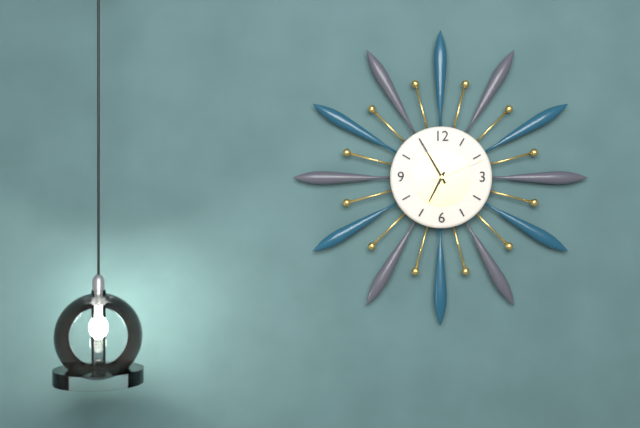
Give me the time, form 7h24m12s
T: 6h55m11s
